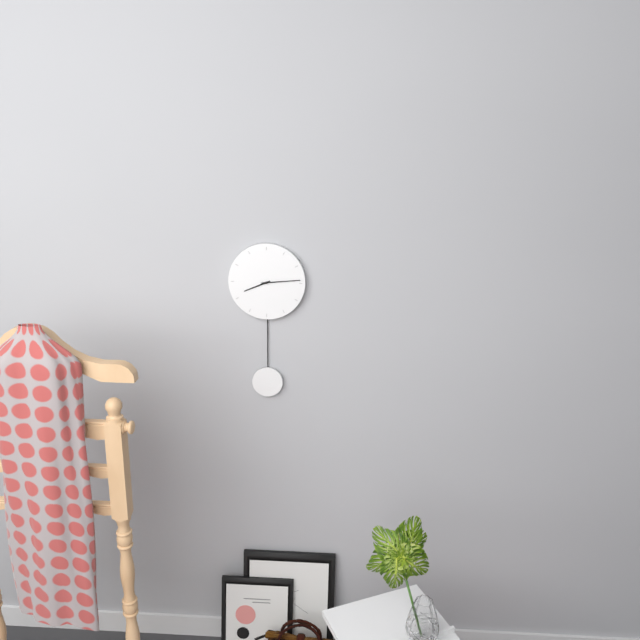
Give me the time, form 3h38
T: 8h14
